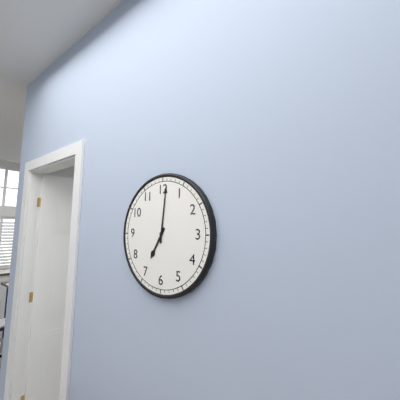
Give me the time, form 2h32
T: 7h01
